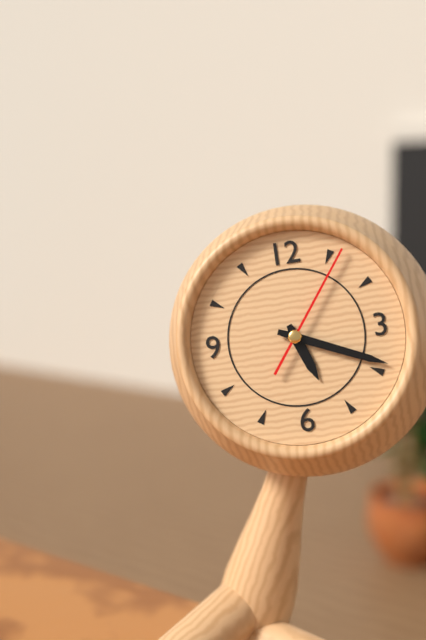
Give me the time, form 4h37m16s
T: 5h19m06s
